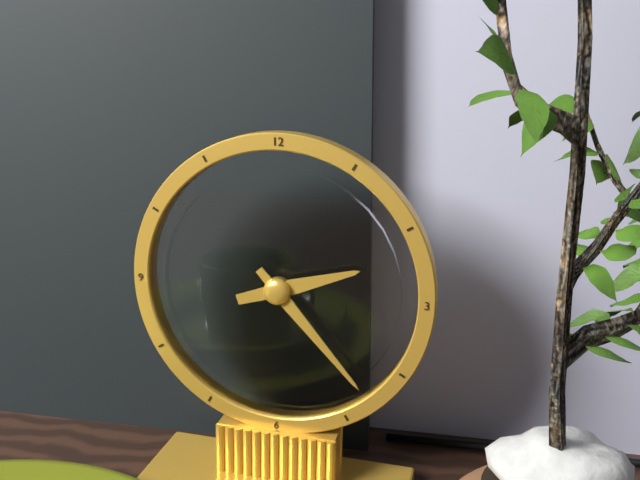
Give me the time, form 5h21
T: 2h23
